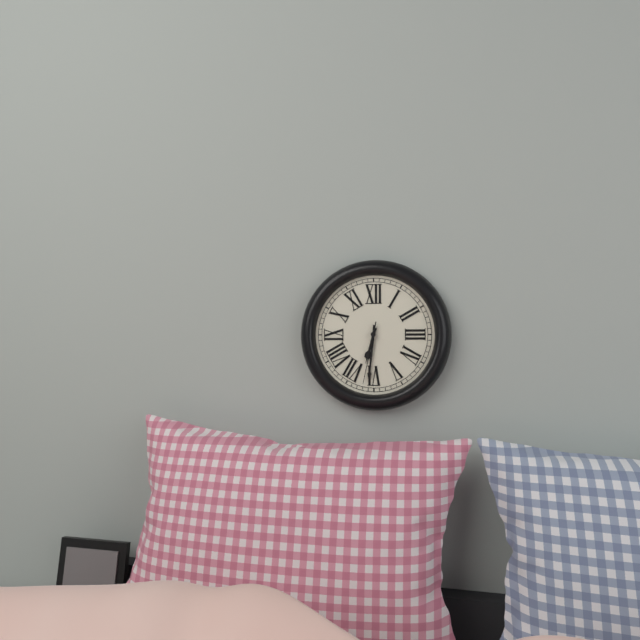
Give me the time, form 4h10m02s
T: 6h31m32s
